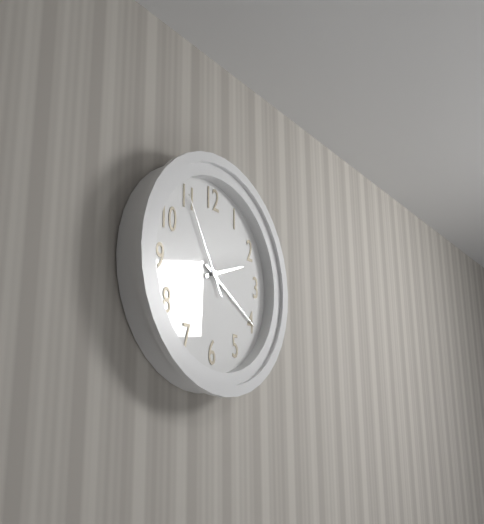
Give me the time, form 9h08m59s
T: 2h20m55s
